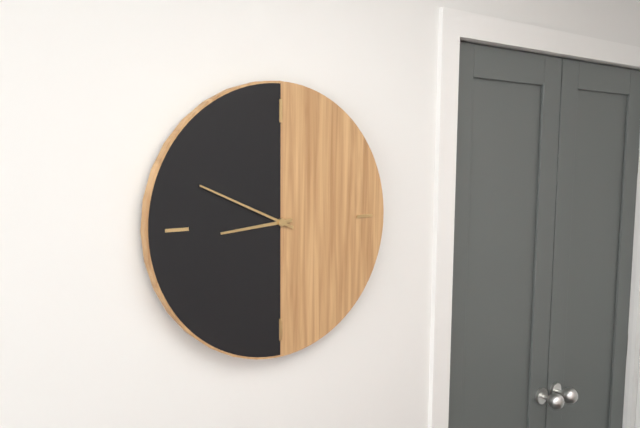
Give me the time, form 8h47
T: 8h49
